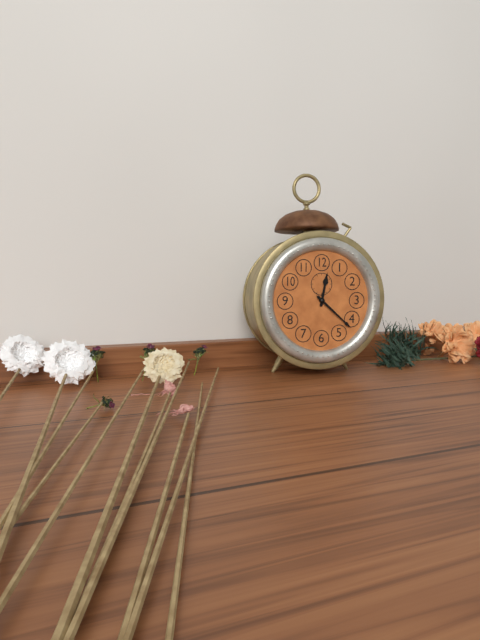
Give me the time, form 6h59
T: 12h22
